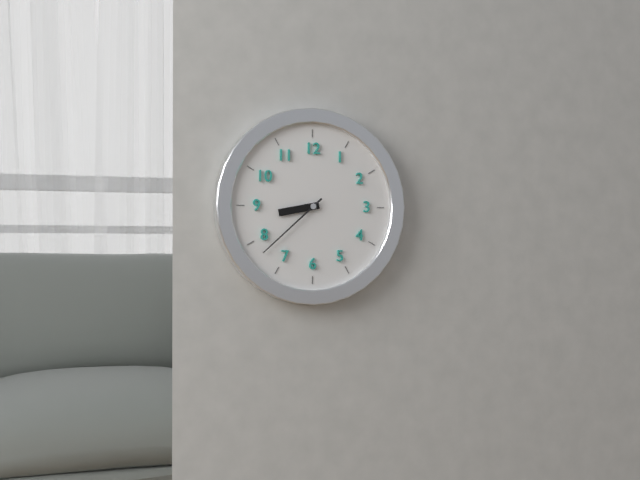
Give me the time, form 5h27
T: 8h38
